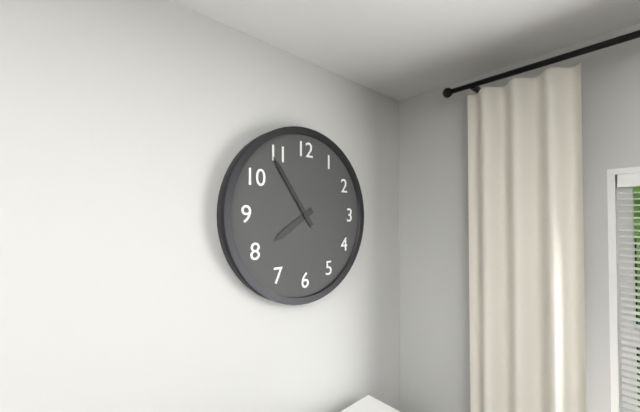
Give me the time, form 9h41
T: 7h54
